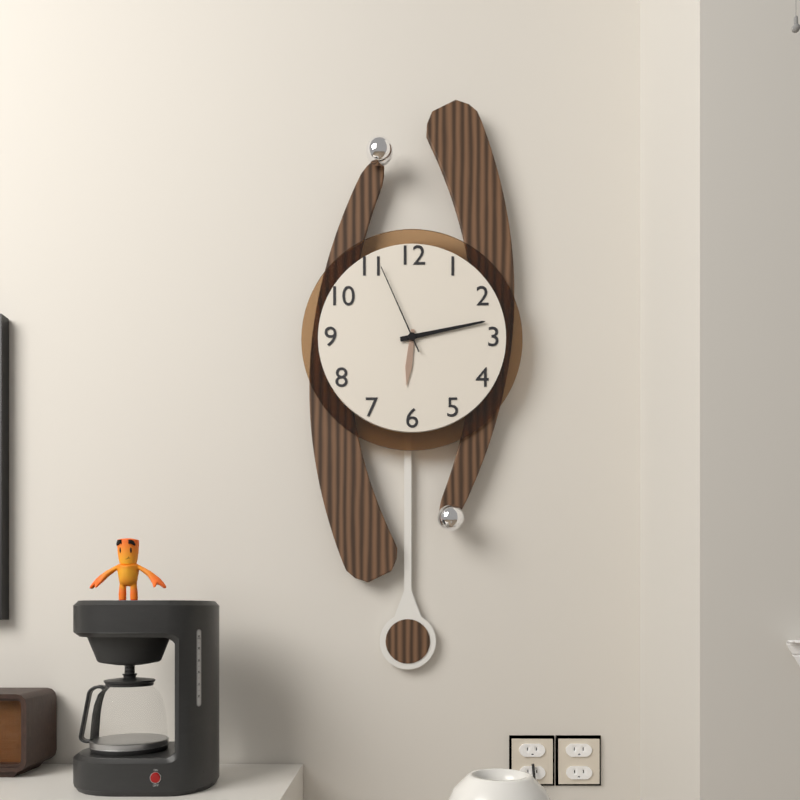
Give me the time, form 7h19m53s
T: 6h13m56s
